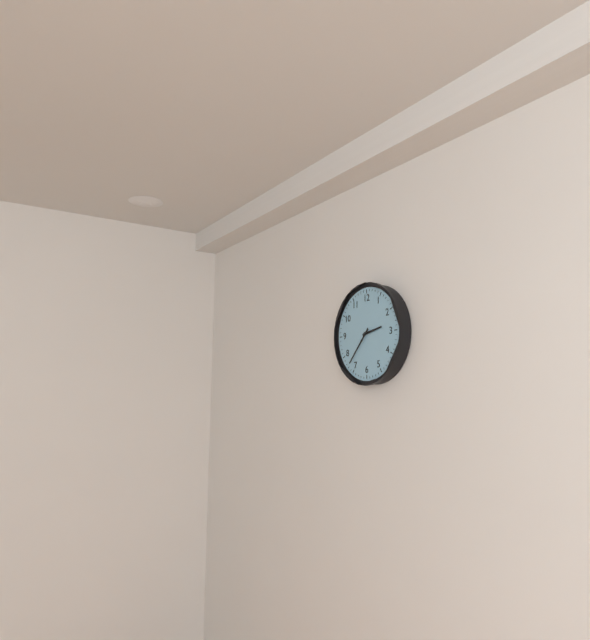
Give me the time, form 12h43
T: 2h37
